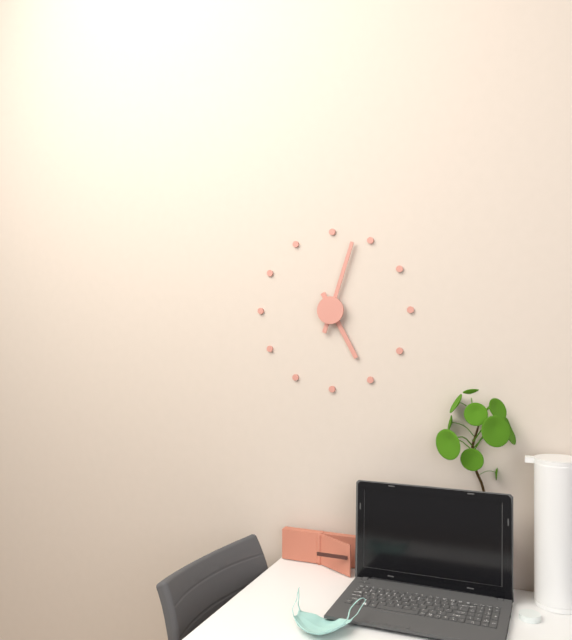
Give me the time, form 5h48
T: 5h03
